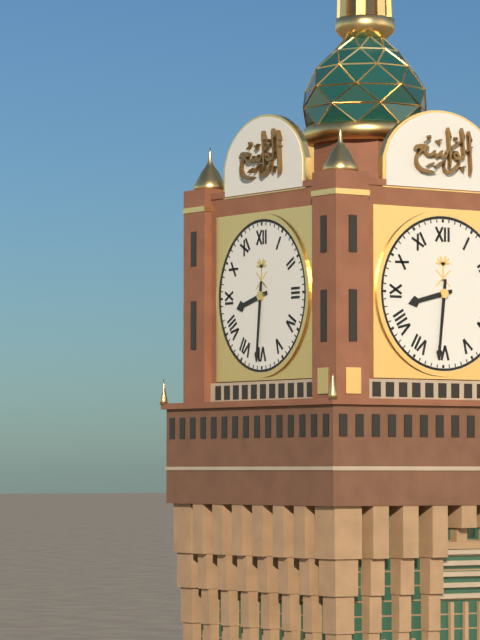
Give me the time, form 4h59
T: 8h31
